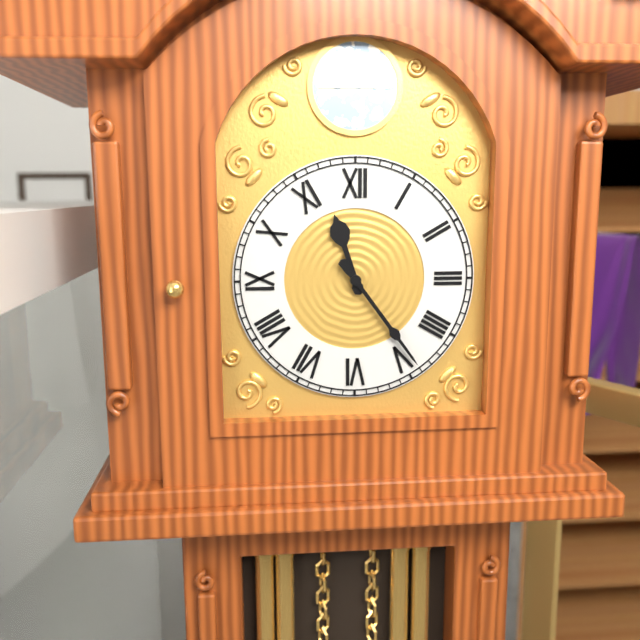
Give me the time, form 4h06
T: 11h24
